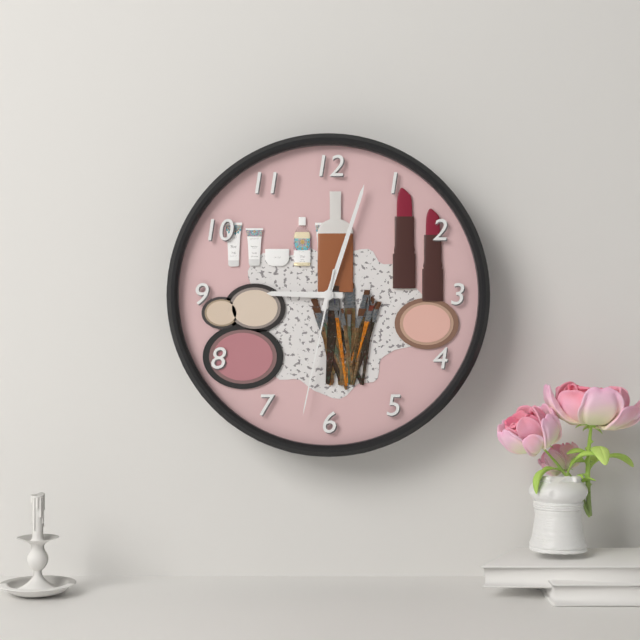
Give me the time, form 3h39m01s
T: 9h03m32s
